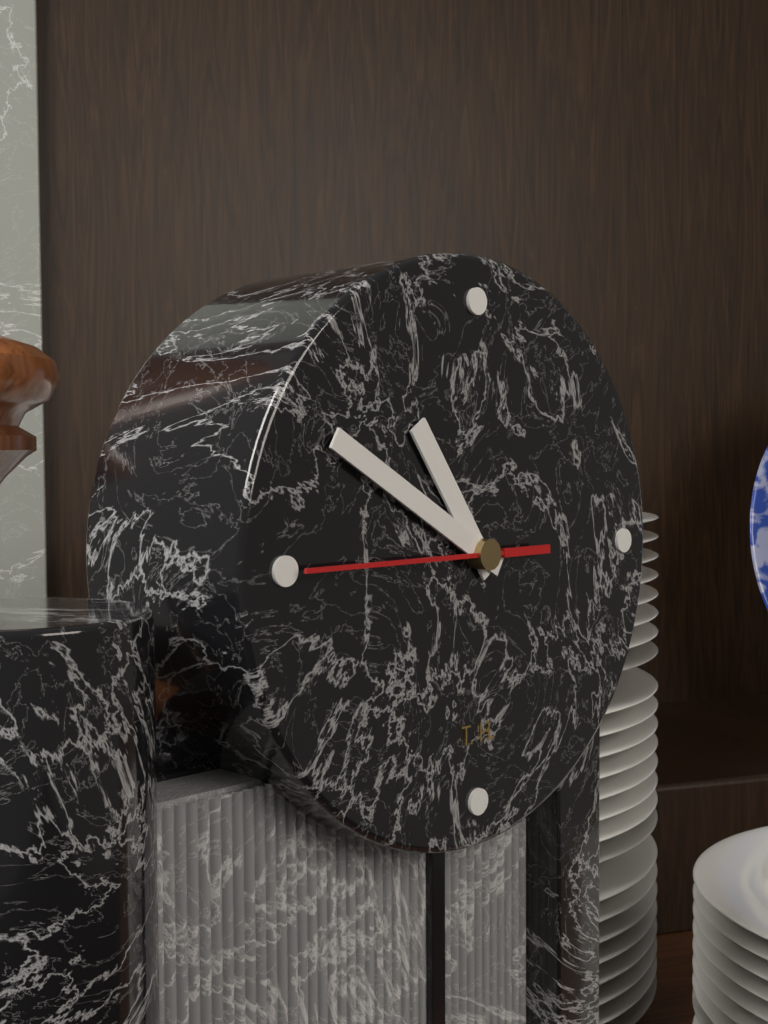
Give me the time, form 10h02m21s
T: 10h50m45s
